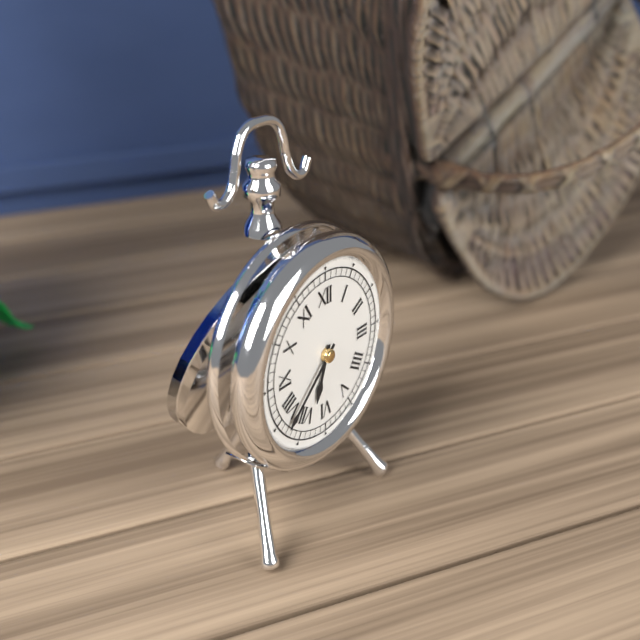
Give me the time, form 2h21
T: 6h38
